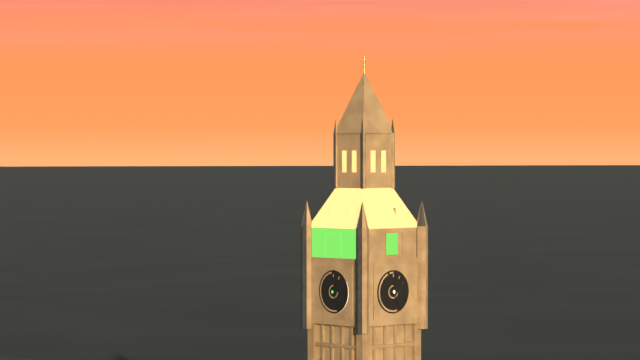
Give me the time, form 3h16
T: 12h26
